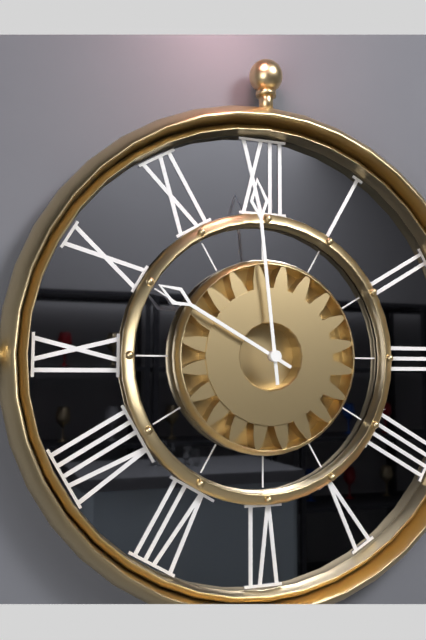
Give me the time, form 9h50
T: 9h59
